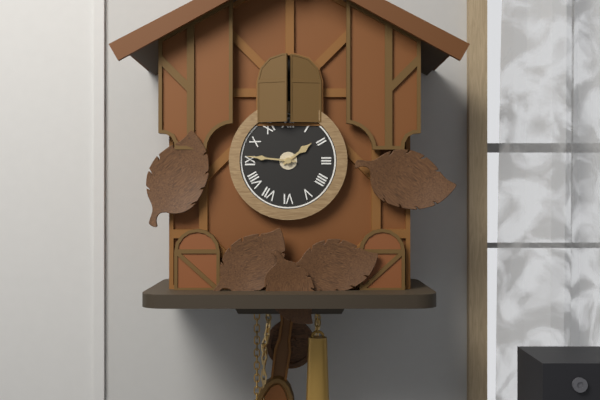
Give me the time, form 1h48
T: 1h46
